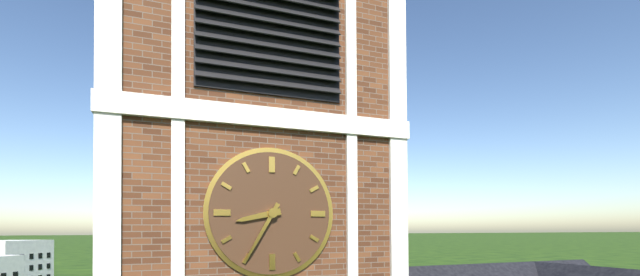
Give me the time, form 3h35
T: 8h35
